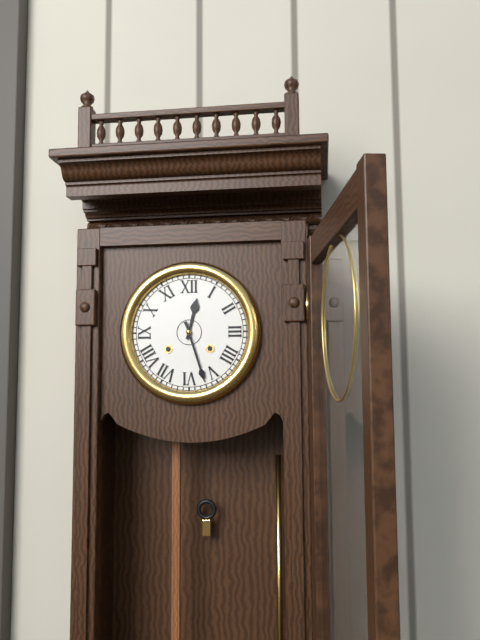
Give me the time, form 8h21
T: 12h27
